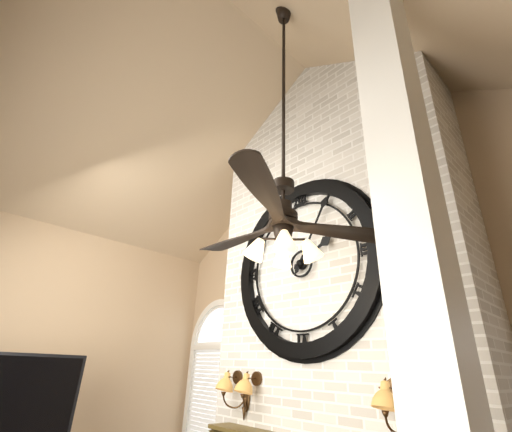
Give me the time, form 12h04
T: 2h05
